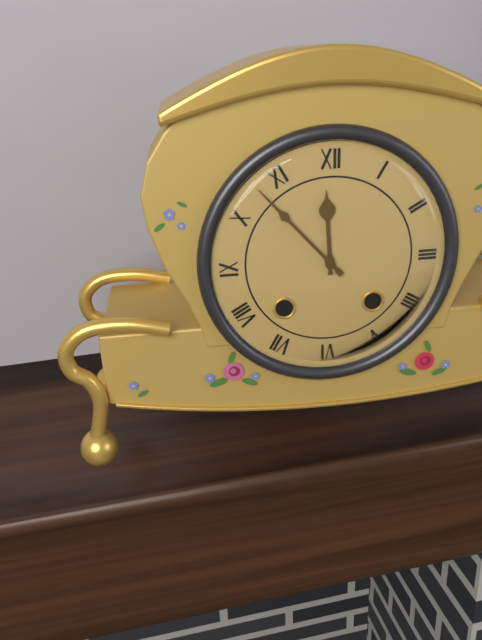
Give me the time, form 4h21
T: 11h53
